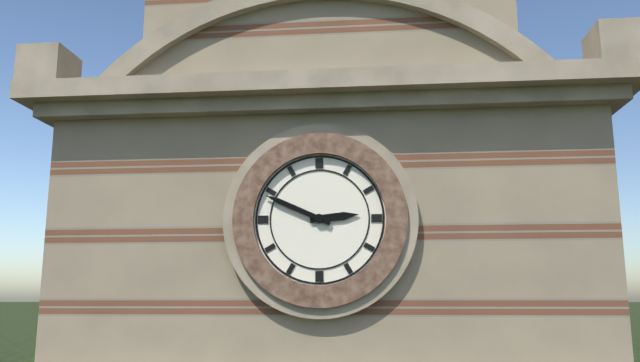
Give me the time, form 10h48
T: 2h49
